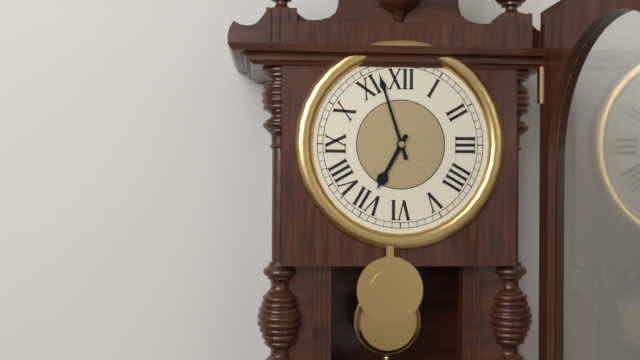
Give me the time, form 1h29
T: 6h57
